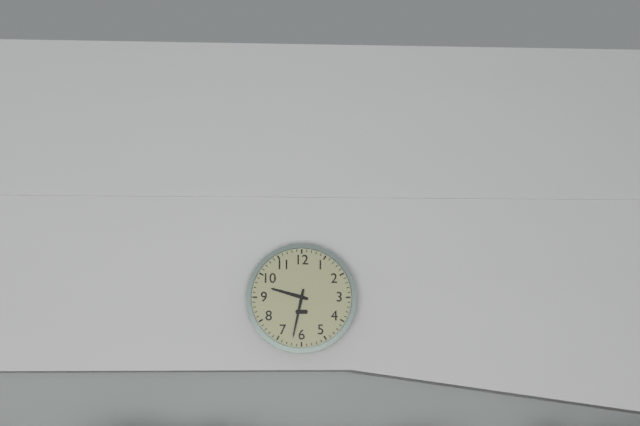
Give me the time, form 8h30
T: 9h32
